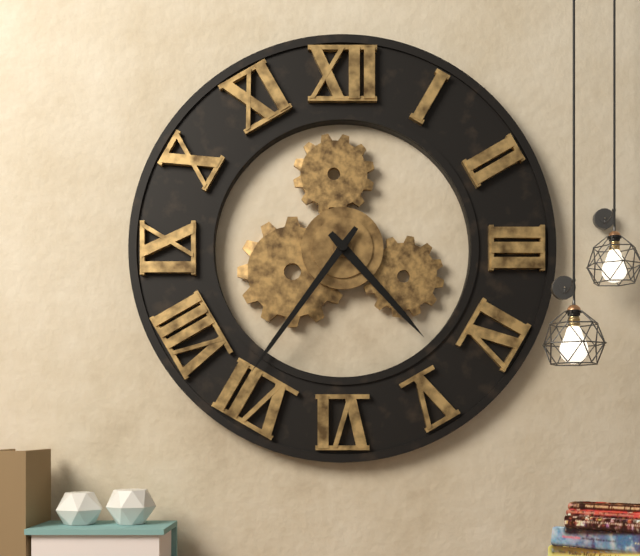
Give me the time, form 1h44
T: 4h36
